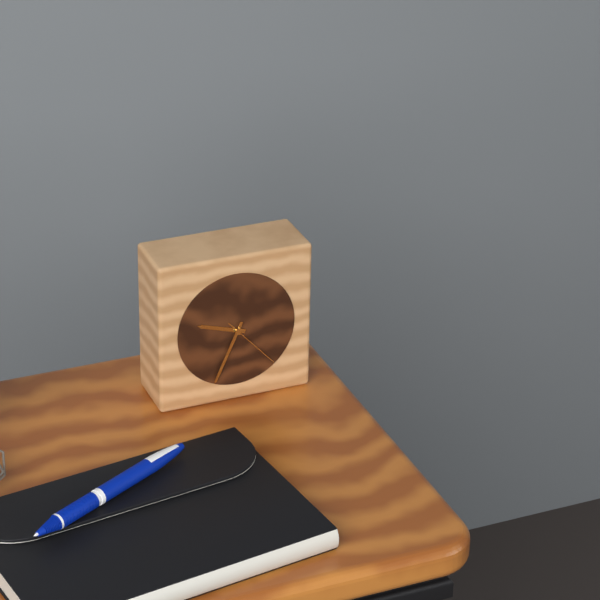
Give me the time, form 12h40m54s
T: 9h34m23s
